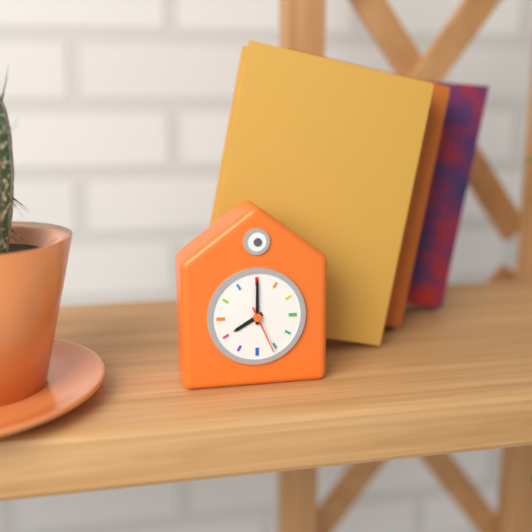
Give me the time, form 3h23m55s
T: 8h00m26s
